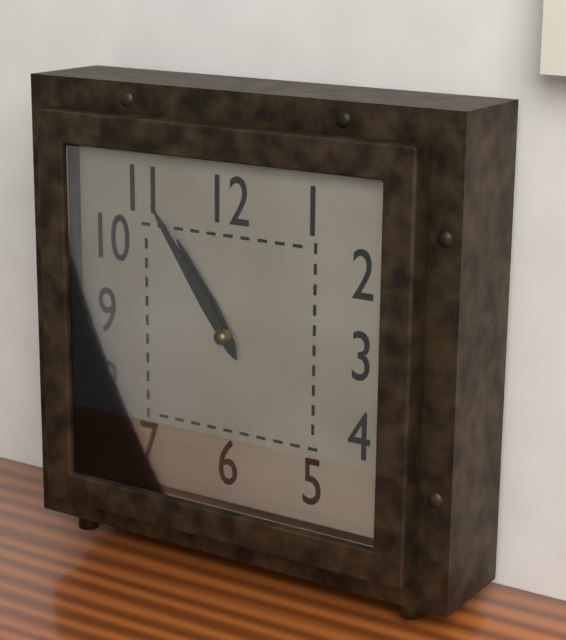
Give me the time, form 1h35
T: 10h54
